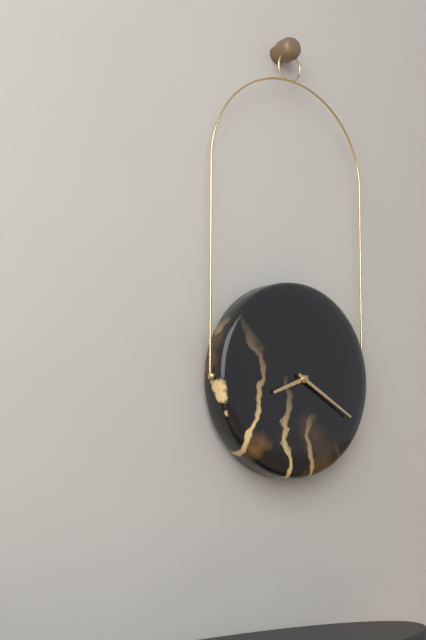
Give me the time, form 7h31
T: 8h20
